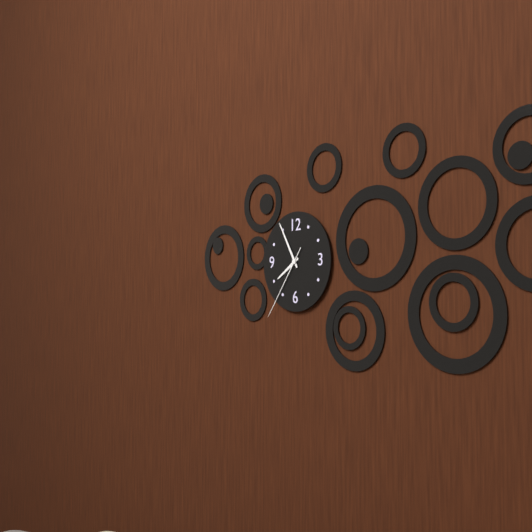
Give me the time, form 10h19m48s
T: 7h55m36s
